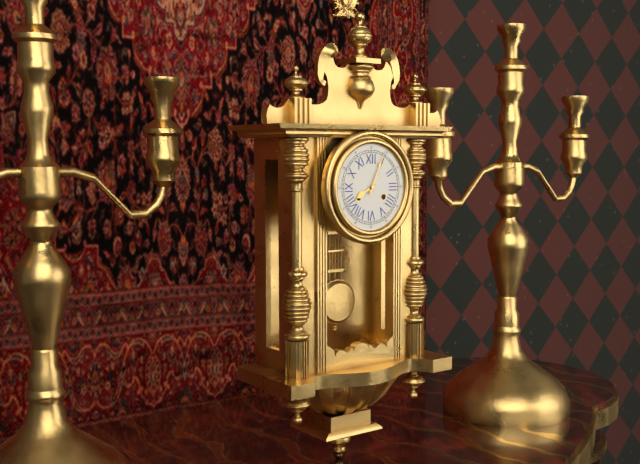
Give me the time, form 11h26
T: 8h04
